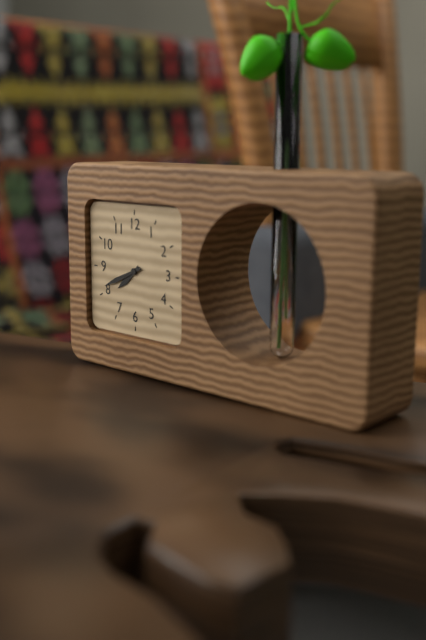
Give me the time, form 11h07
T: 7h41
